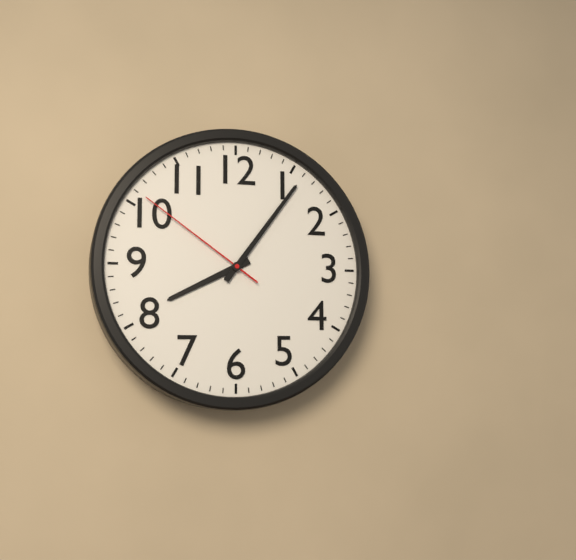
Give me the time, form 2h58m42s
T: 8h06m51s
